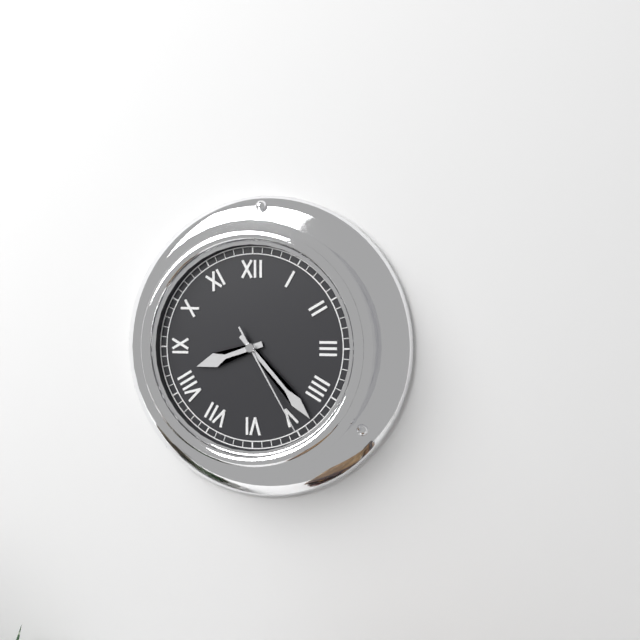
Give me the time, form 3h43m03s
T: 8h23m25s
